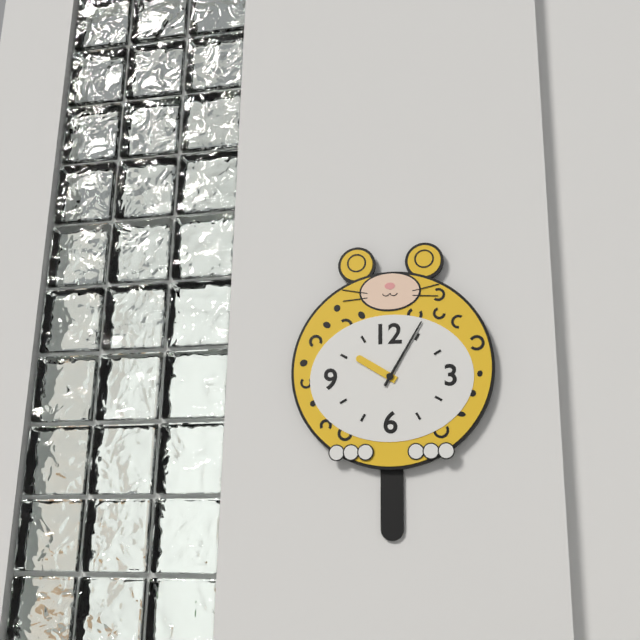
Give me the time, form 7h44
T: 10h05
